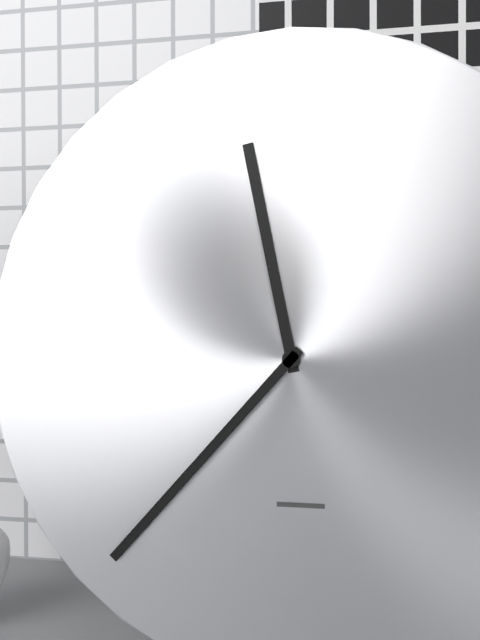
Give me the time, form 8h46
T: 11h37
